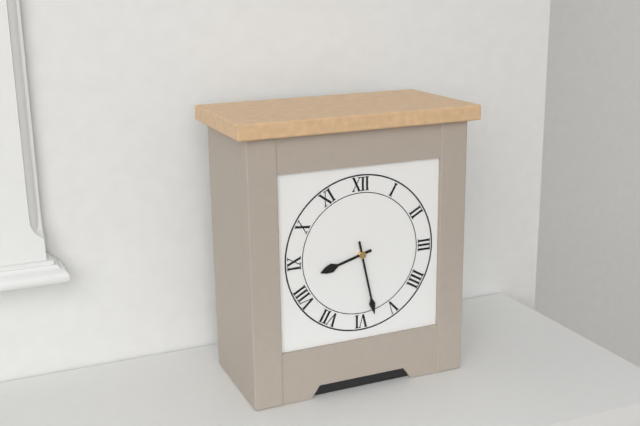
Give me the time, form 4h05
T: 8h28
